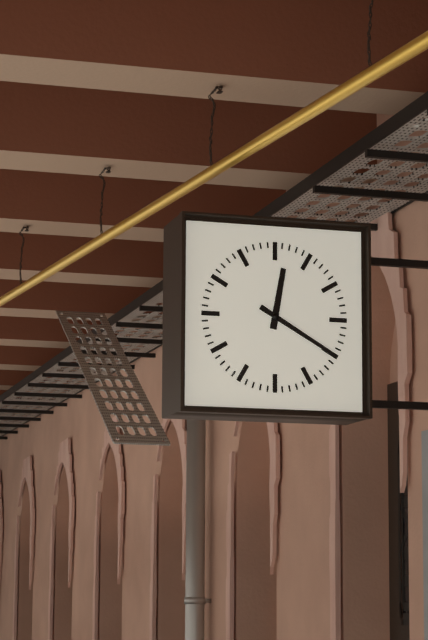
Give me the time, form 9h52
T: 12h20
